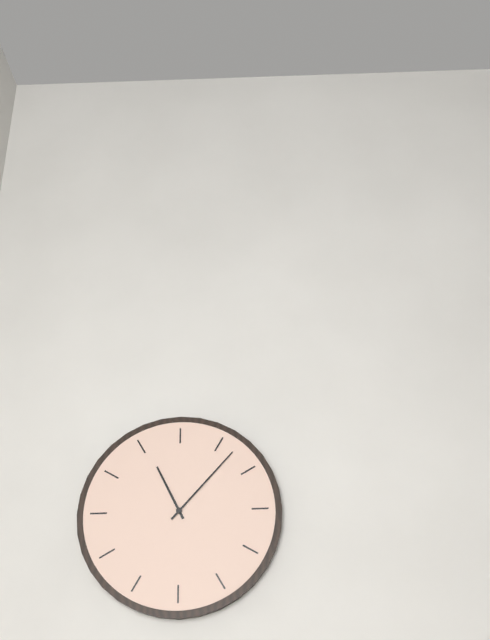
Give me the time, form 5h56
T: 11h07
